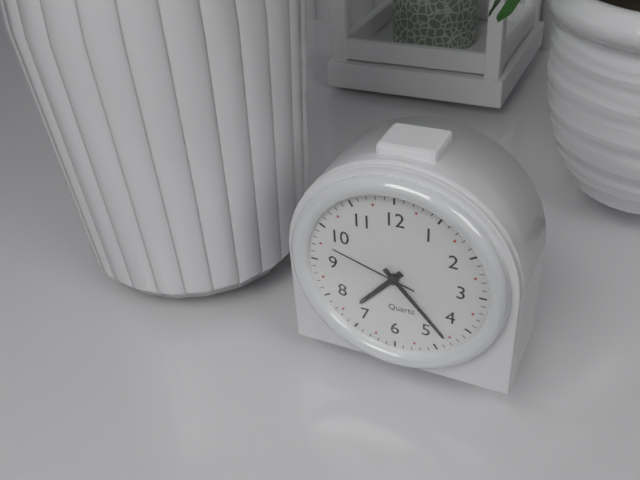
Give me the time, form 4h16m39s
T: 7h23m48s
